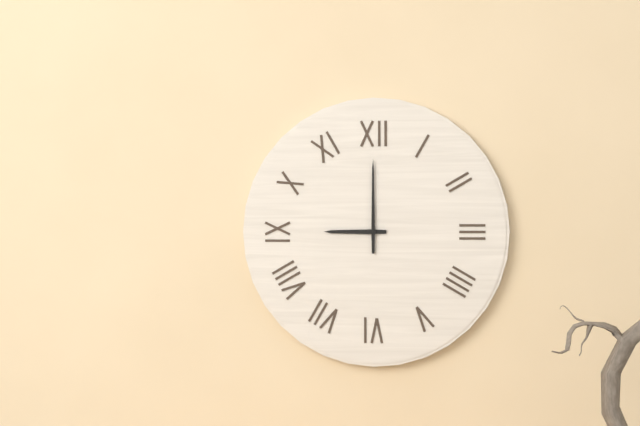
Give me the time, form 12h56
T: 9h00
